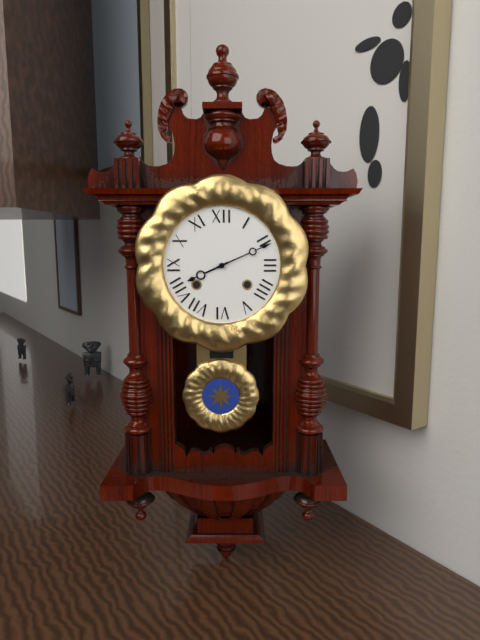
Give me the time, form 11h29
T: 8h11
